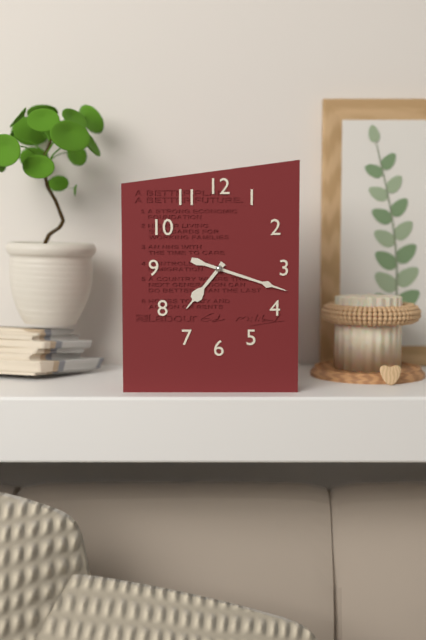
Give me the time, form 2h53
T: 7h18
